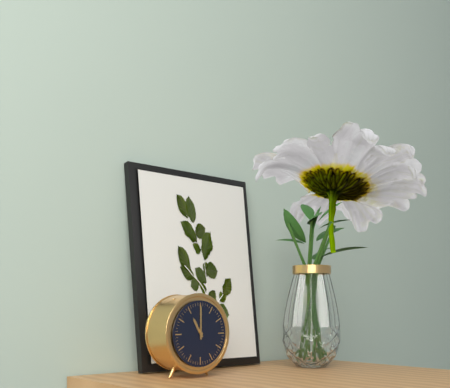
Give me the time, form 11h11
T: 11h00
